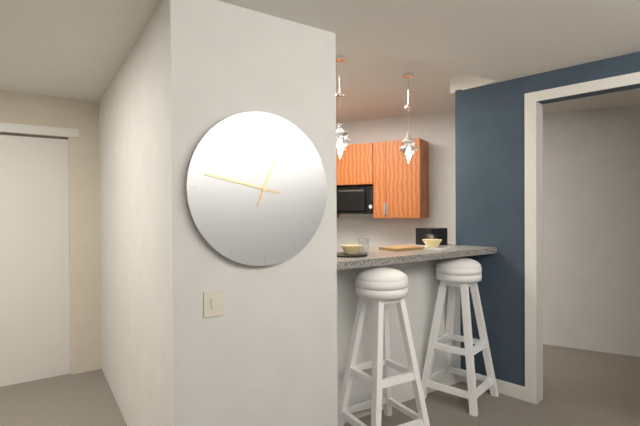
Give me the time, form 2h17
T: 12h47
